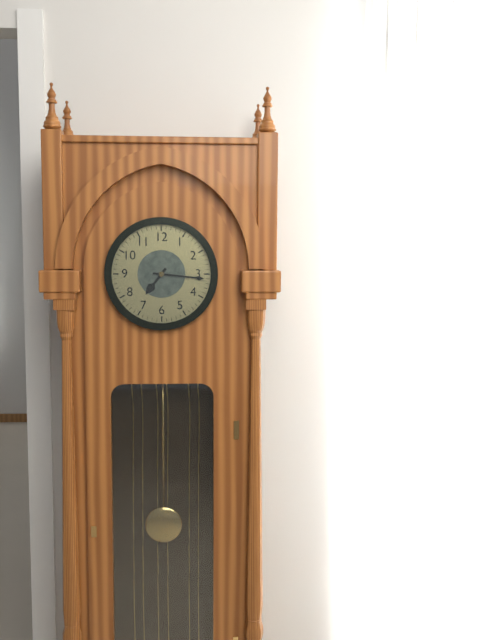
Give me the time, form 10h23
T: 7h16
